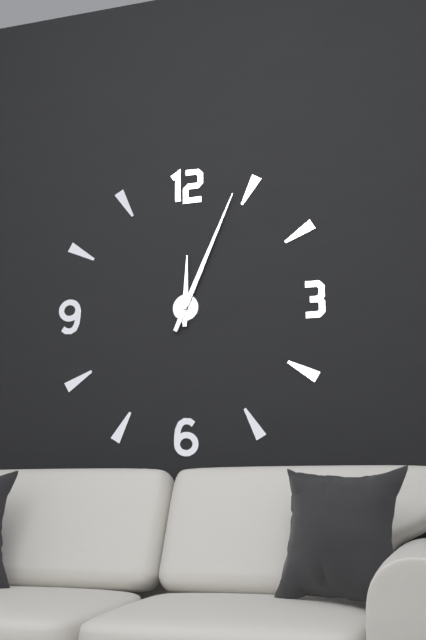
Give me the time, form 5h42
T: 12h04
